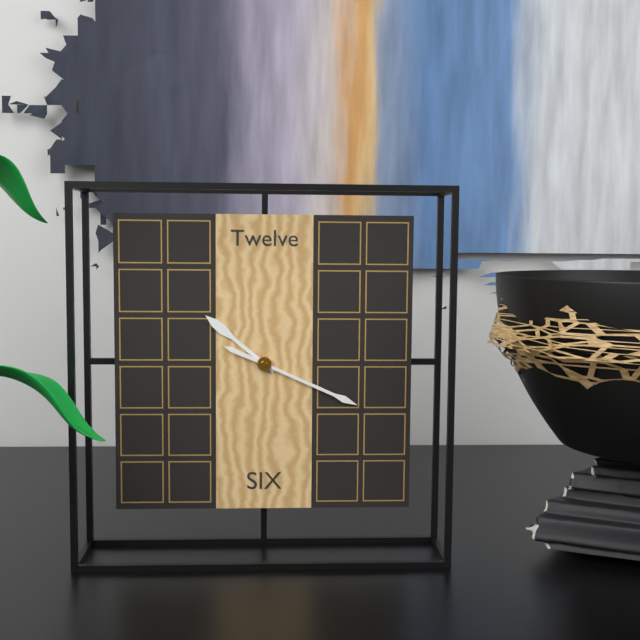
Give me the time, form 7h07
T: 10h19
